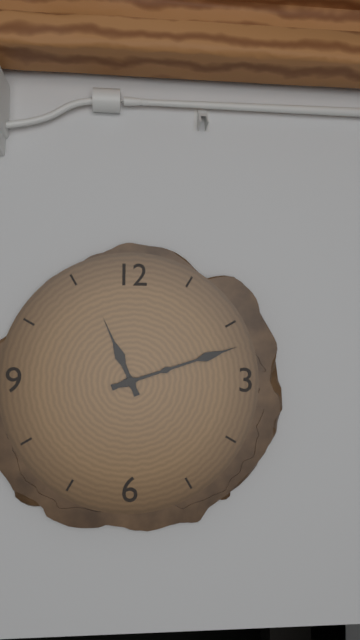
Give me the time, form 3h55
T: 11h12
